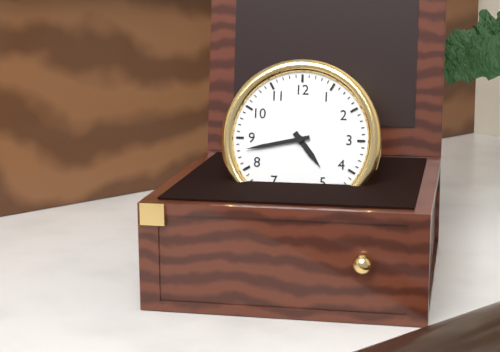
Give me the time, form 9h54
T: 4h43
